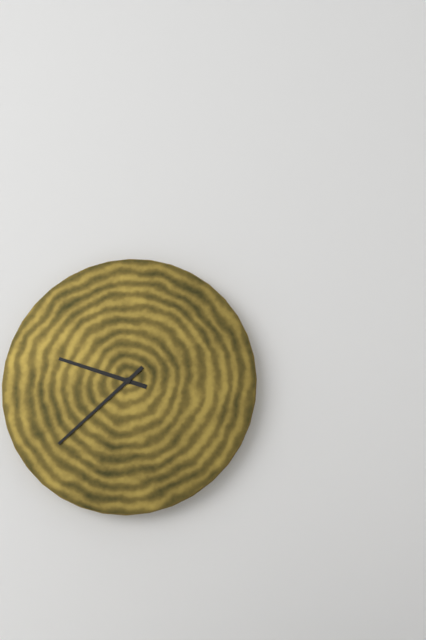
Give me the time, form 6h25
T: 9h38
